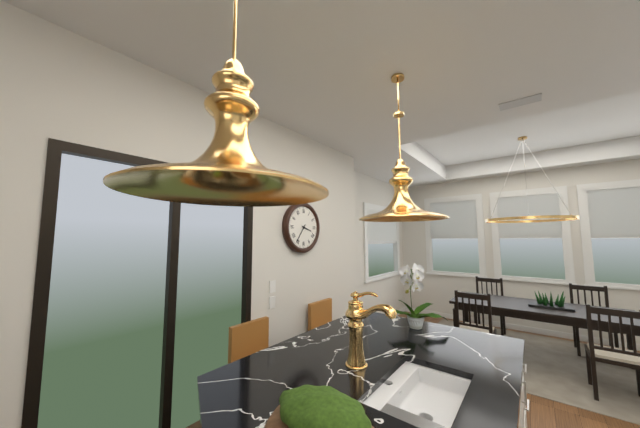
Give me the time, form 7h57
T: 3h36
